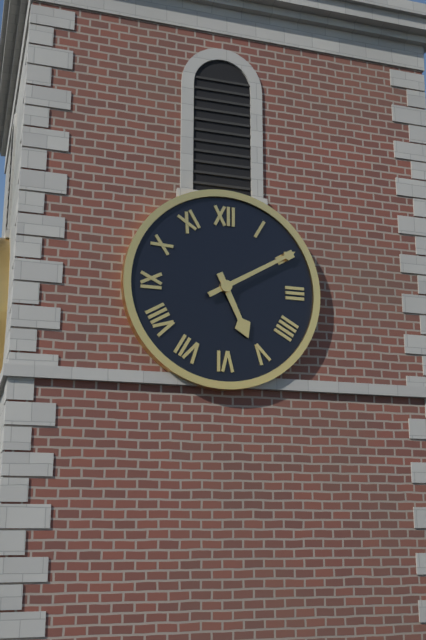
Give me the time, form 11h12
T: 5h10
